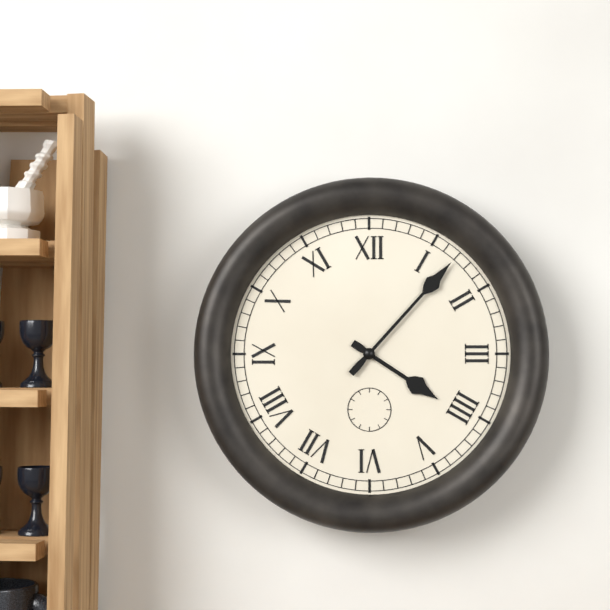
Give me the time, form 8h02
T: 4h07
